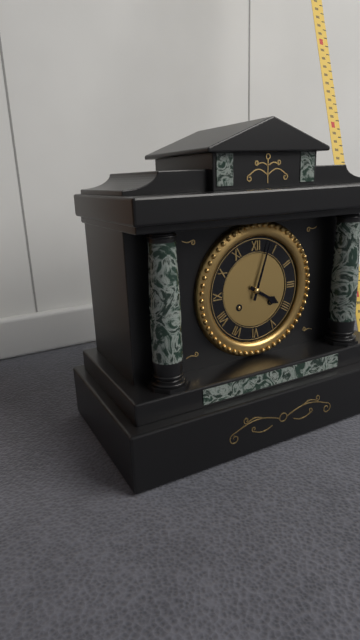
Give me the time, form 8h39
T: 4h03
